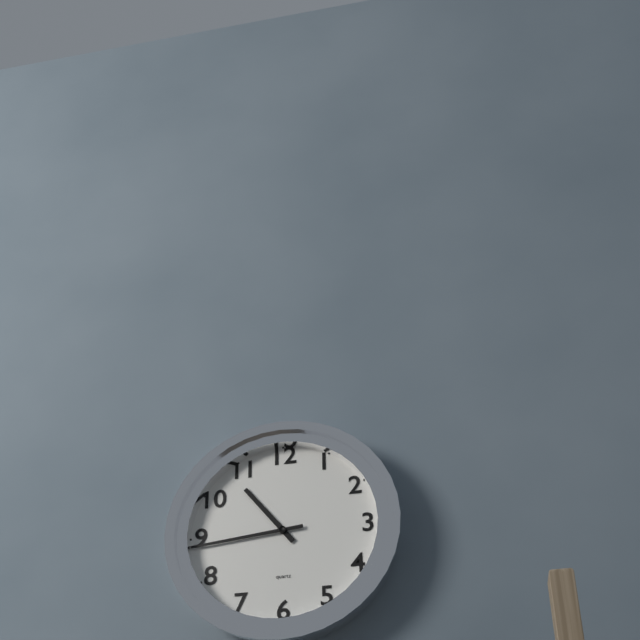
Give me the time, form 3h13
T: 10h44
